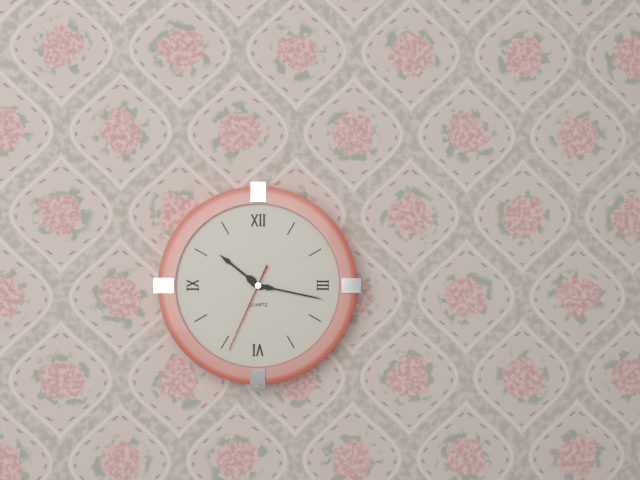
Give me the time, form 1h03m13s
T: 10h17m34s
